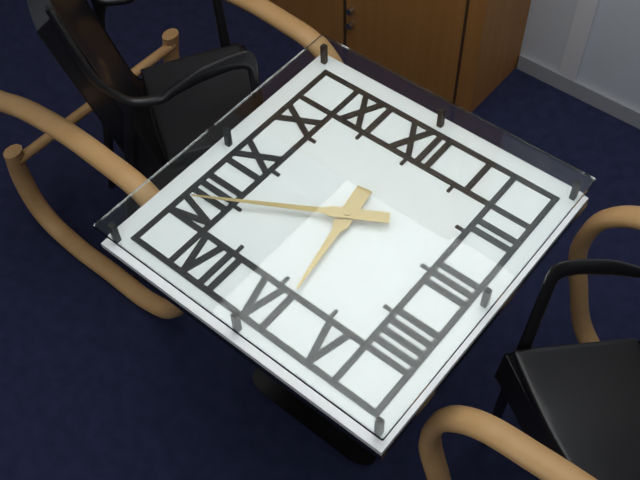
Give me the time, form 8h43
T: 5h40
